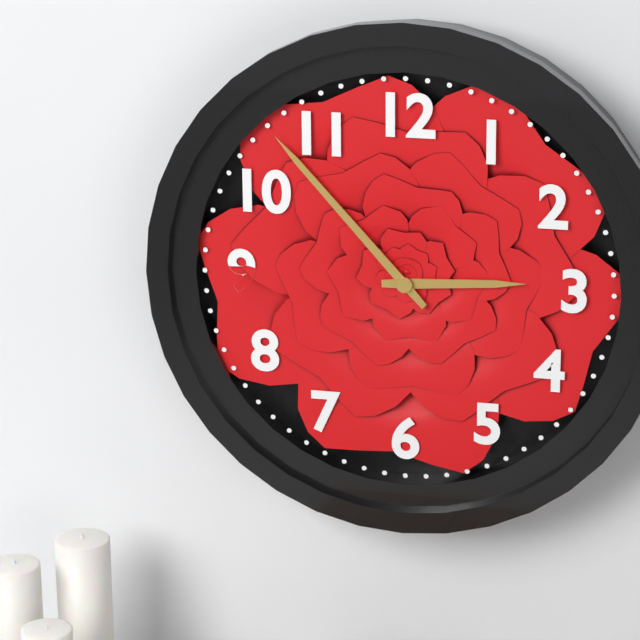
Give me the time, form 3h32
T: 2h53
